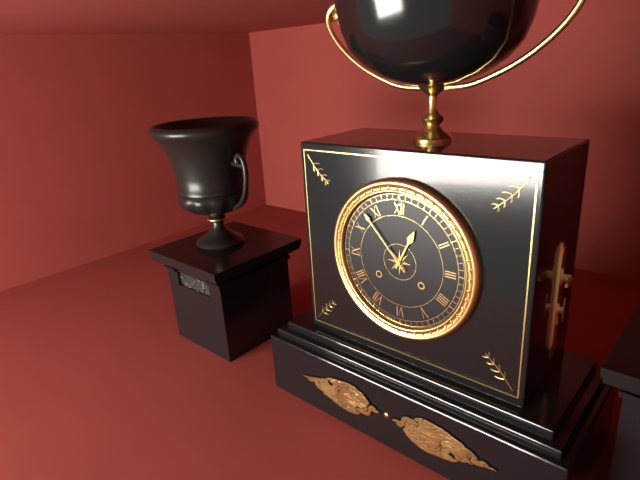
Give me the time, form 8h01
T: 12h53
